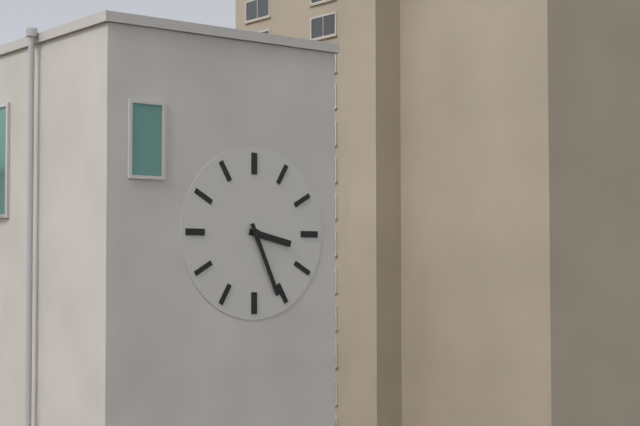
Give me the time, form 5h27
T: 3h26
